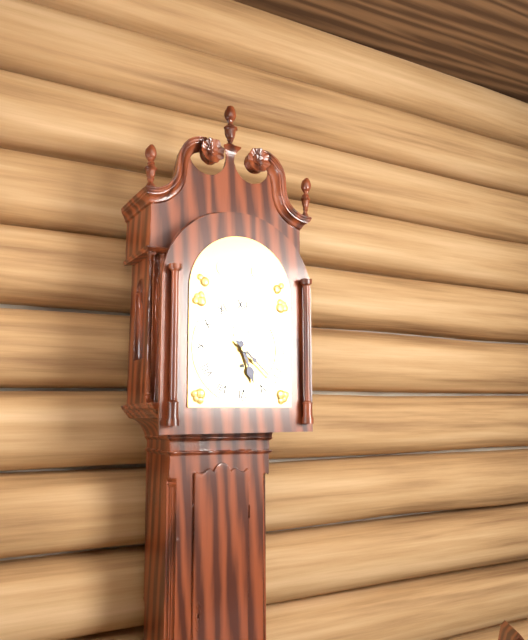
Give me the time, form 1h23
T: 5h22
